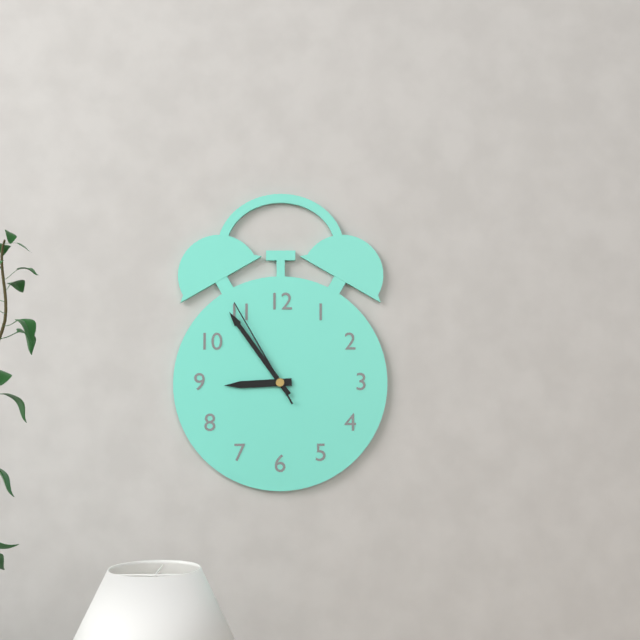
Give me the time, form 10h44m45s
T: 8h54m55s
